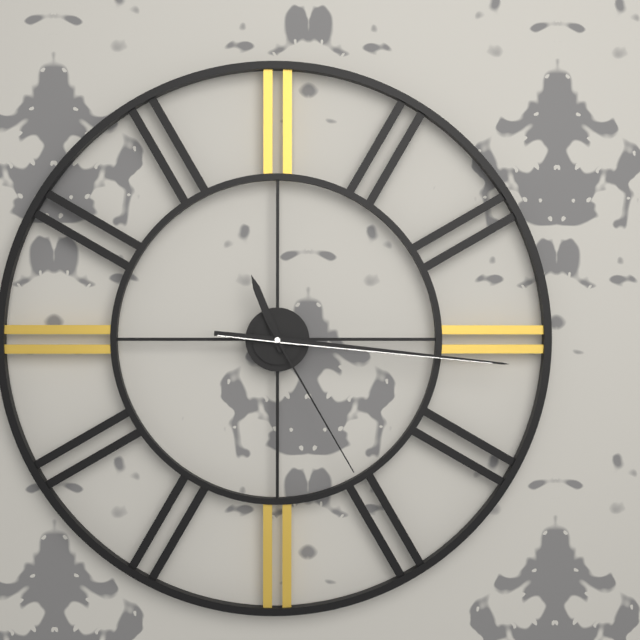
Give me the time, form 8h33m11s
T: 11h16m25s
